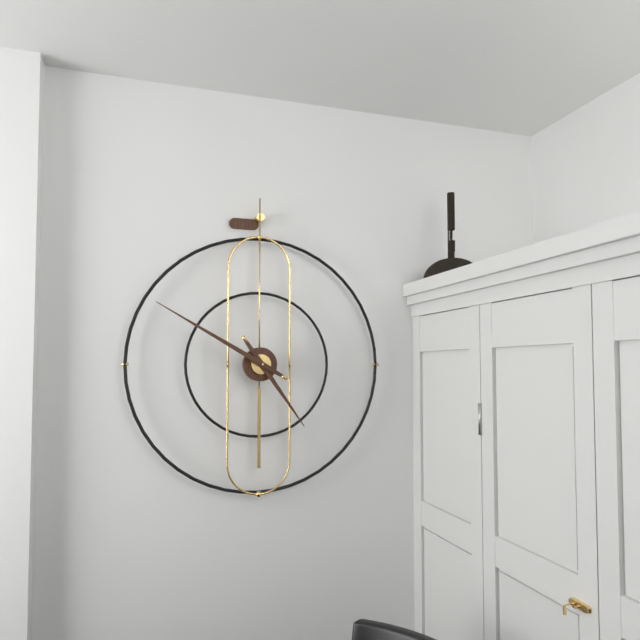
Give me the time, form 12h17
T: 4h50
